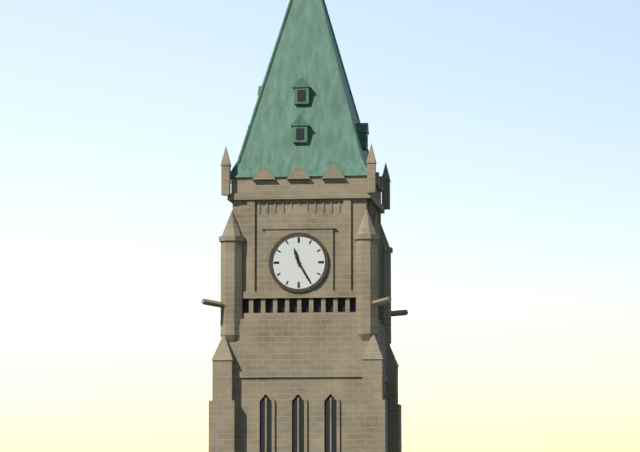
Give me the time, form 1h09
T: 11h25
